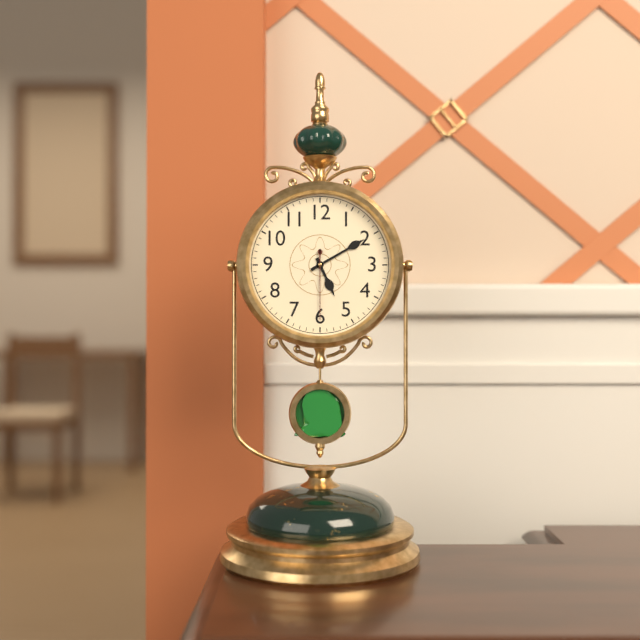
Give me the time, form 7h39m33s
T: 5h10m30s
